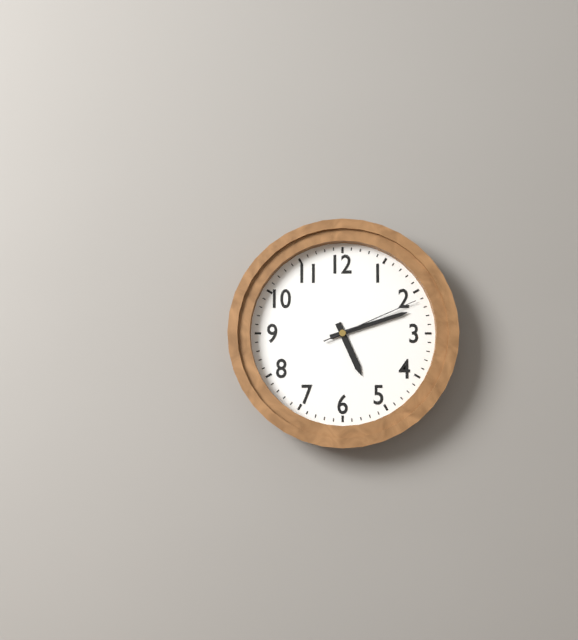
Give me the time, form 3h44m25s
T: 5h12m11s
